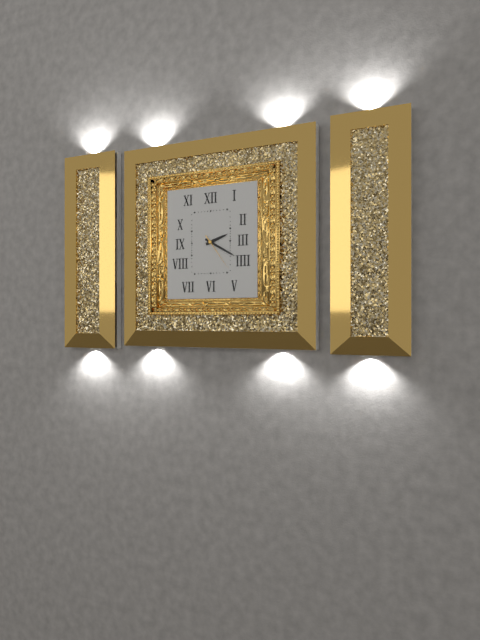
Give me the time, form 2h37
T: 2h20
